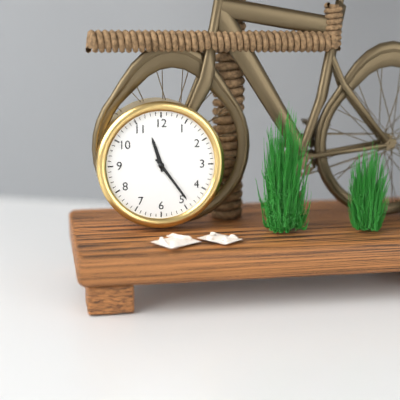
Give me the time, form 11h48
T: 11h24
